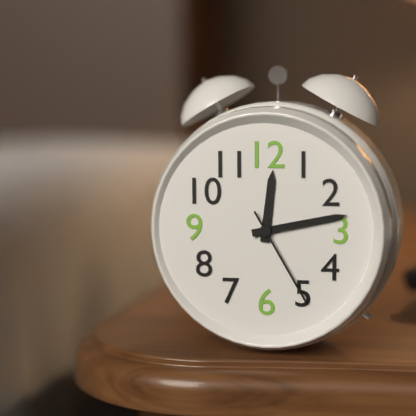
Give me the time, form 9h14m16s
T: 12h13m25s
